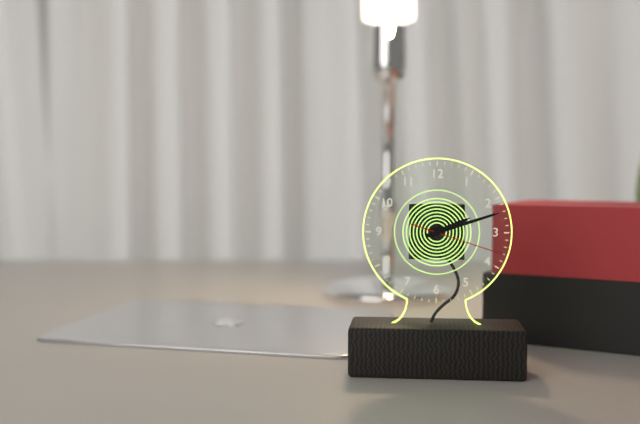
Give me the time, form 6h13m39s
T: 2h12m18s
